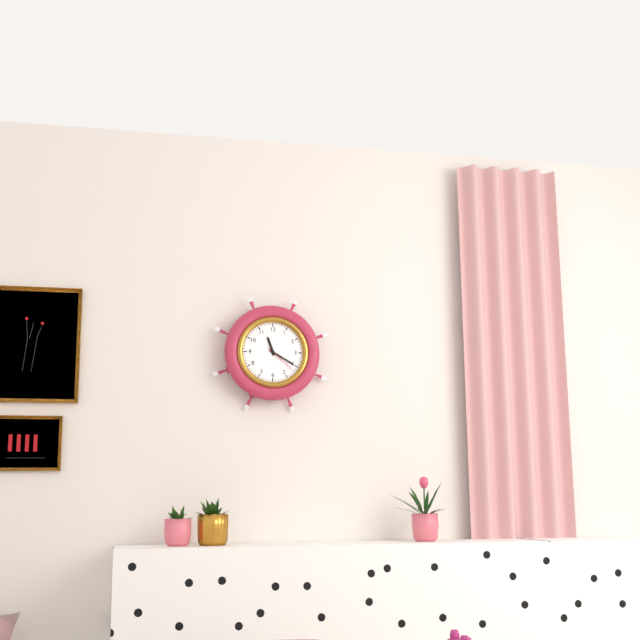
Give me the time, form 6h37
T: 11h20
